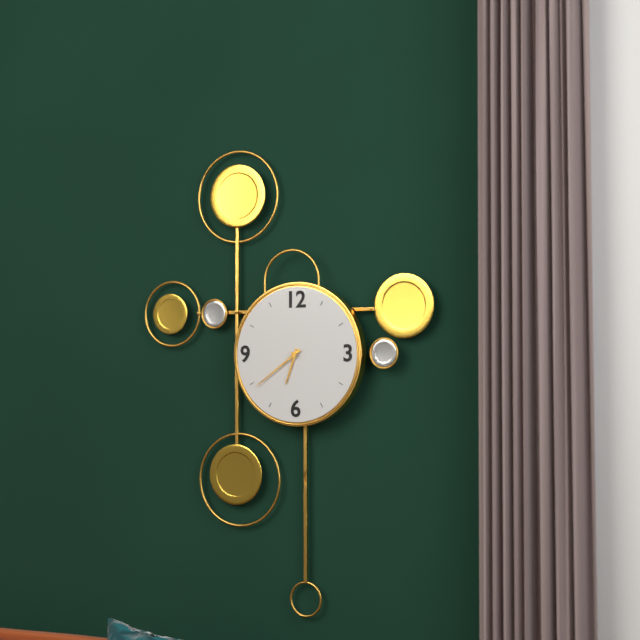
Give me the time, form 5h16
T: 6h39
